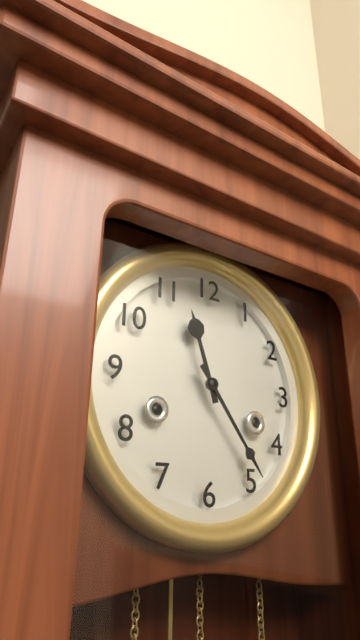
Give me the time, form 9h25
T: 11h24
